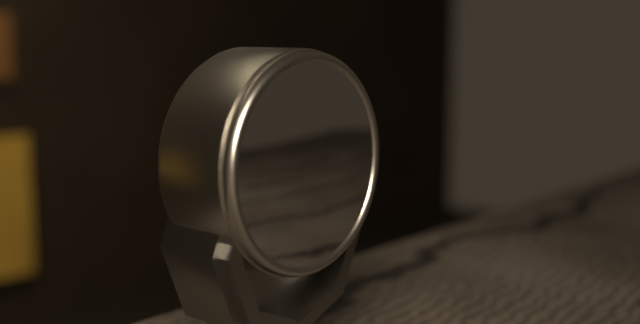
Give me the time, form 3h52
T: 5h34
